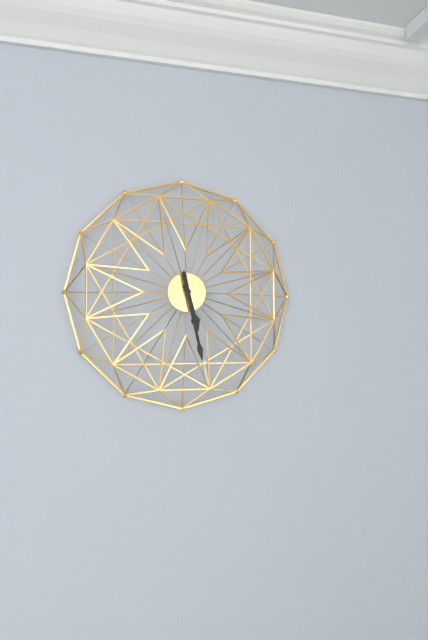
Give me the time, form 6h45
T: 5h28
